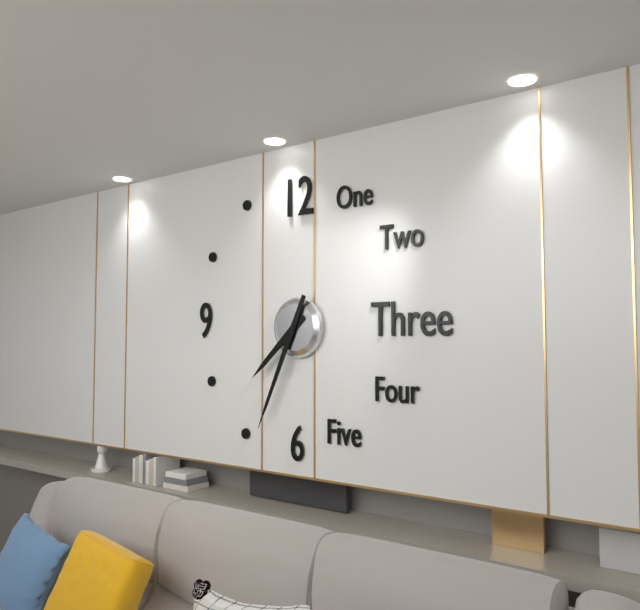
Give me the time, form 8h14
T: 7h34
